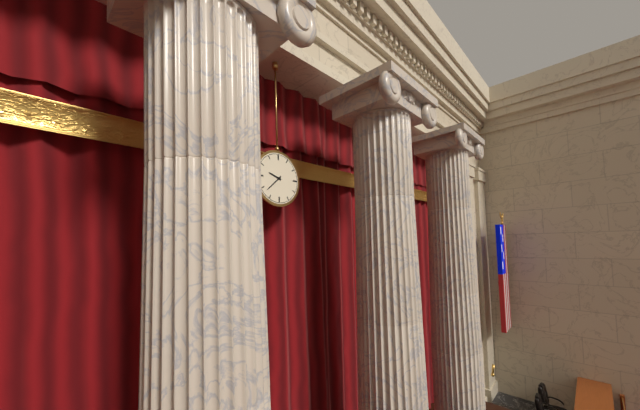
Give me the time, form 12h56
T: 9h38
